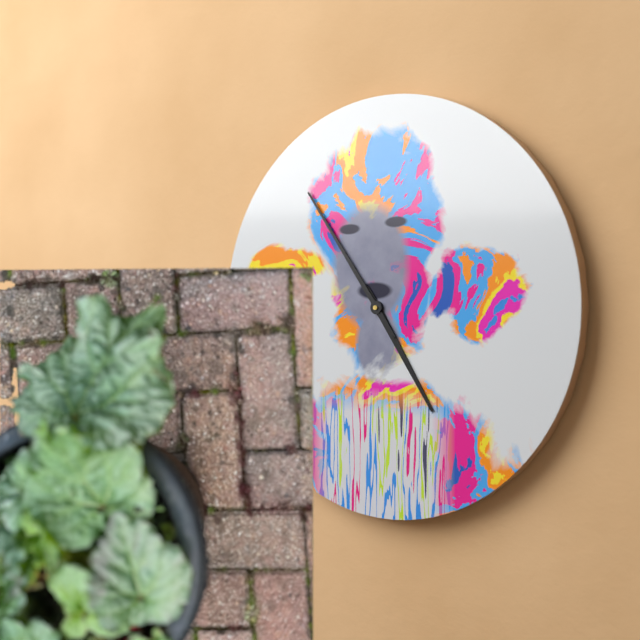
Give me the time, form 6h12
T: 4h54
